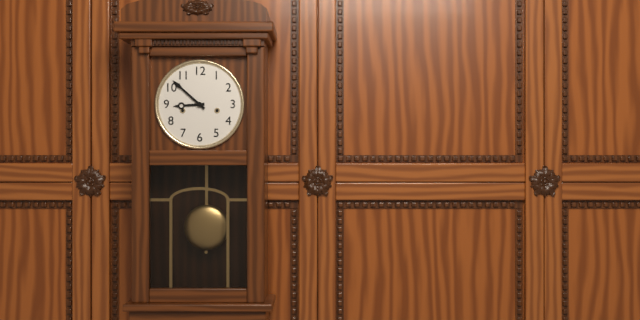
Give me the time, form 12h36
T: 8h52
